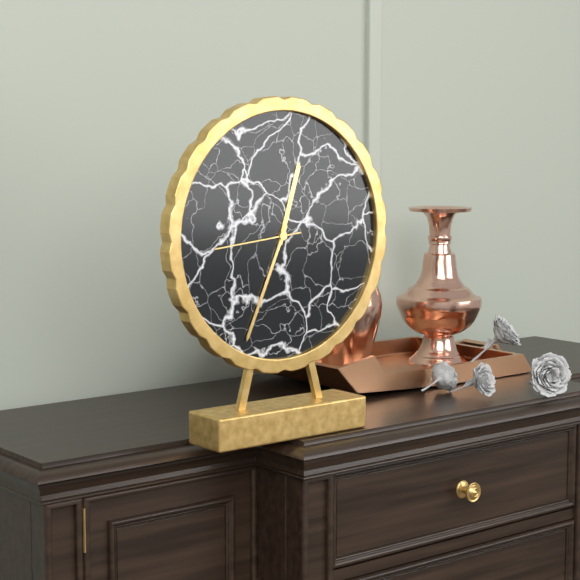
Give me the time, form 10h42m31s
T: 12h34m44s
